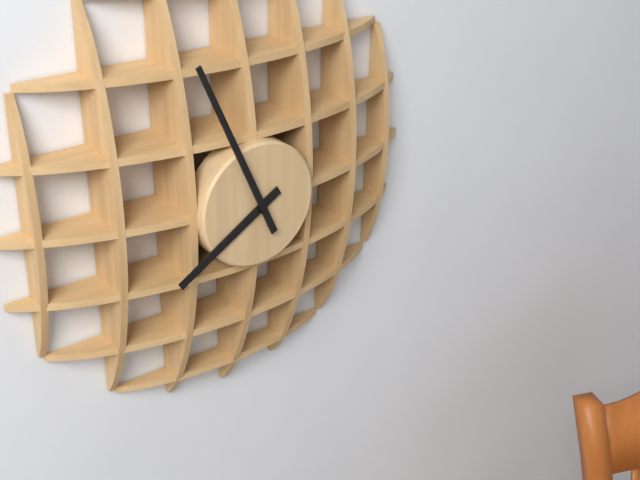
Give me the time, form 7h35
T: 7h56
